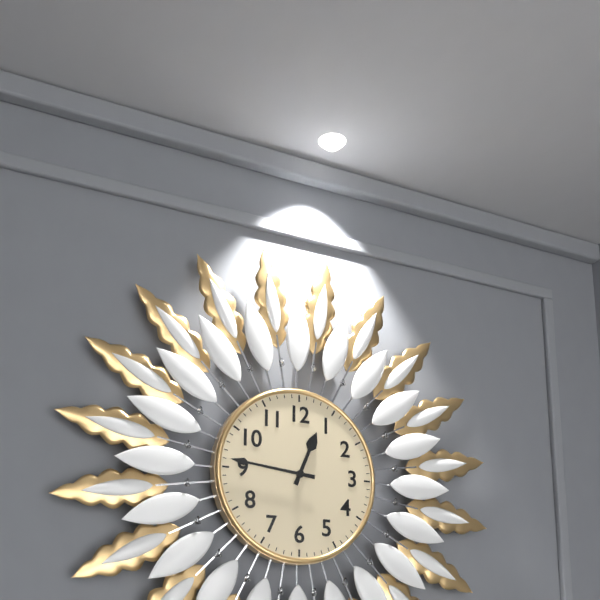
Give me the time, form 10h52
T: 12h46
